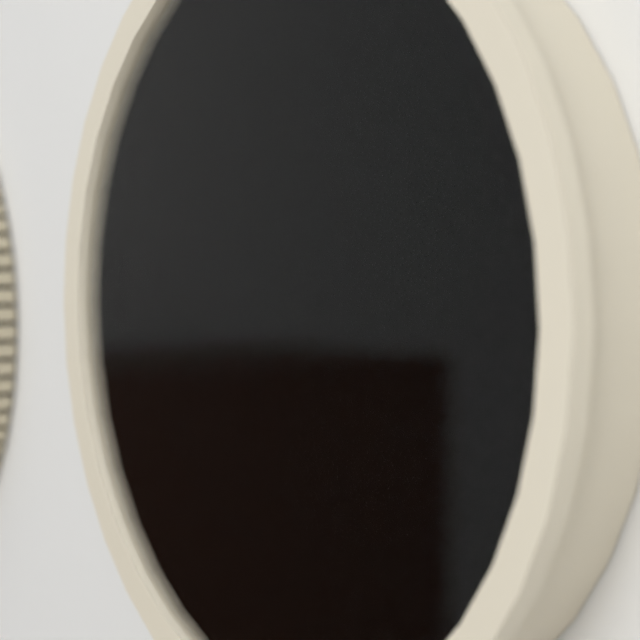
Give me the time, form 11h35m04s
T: 4h18m19s
